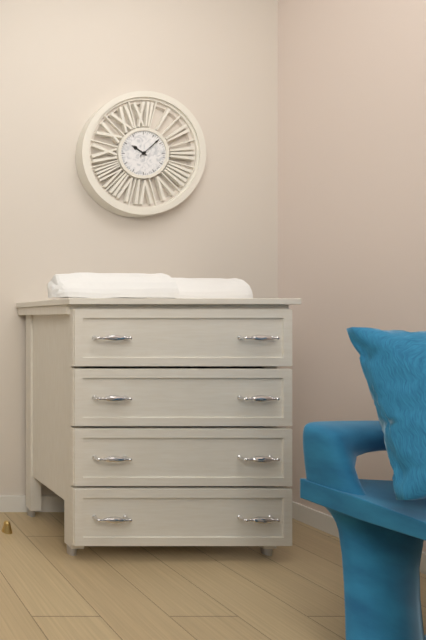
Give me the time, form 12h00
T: 10h08
